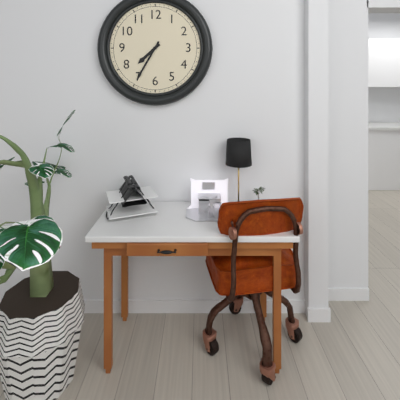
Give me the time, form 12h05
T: 7h35
